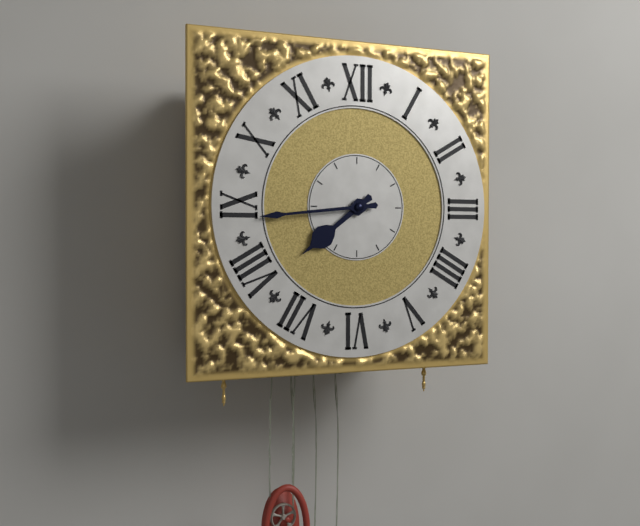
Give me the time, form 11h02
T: 7h44
